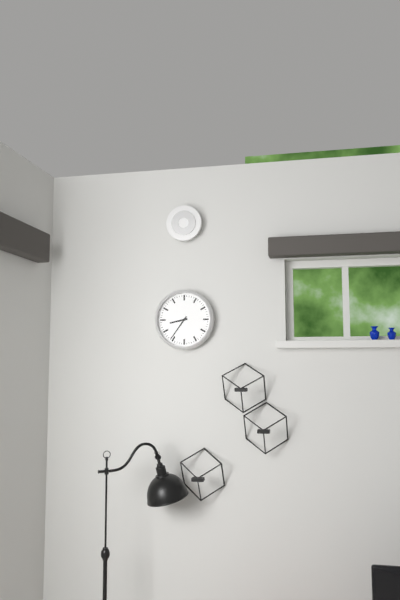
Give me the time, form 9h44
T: 8h36
